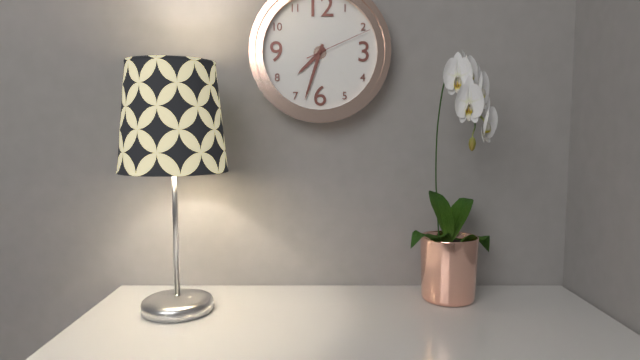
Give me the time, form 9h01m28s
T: 7h33m11s
